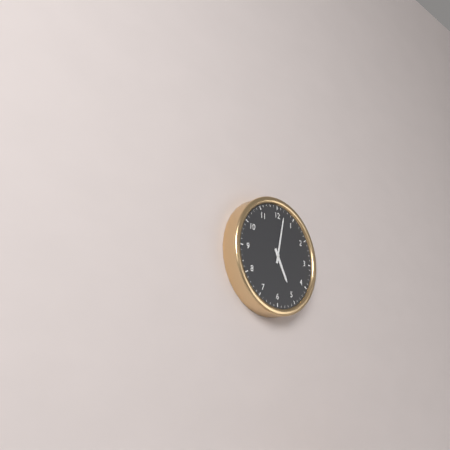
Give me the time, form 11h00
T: 5h02
